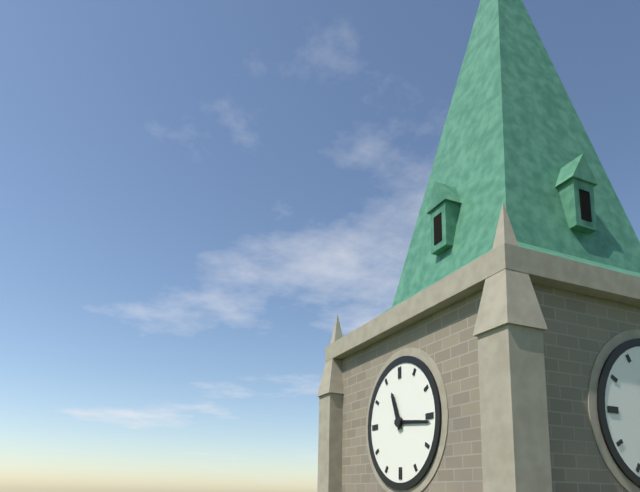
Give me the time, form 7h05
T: 11h16
